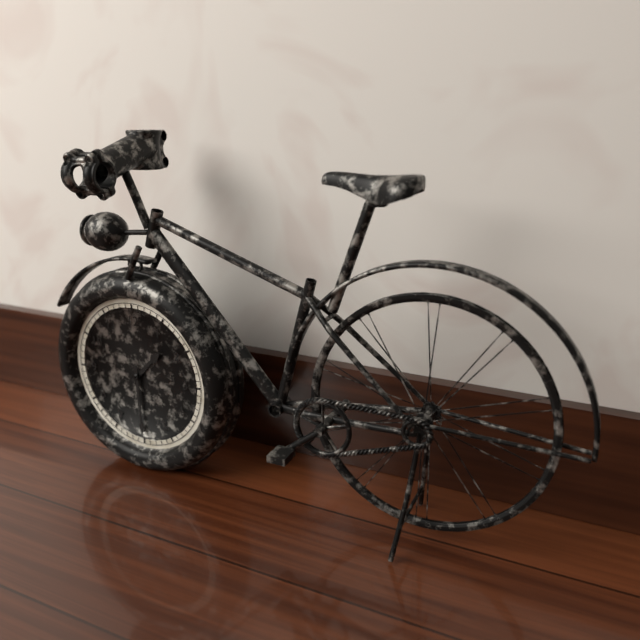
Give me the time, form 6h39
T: 1h30
